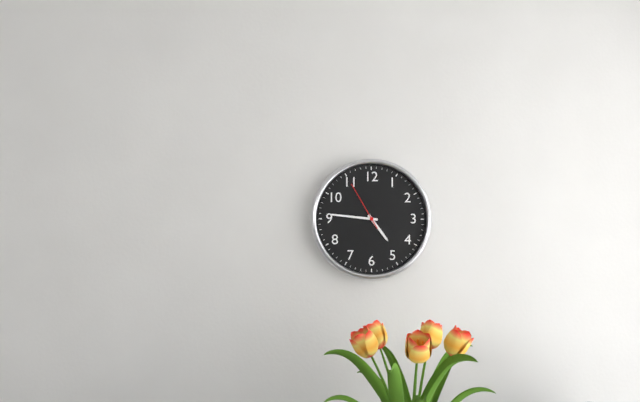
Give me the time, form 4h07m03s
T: 4h46m55s
